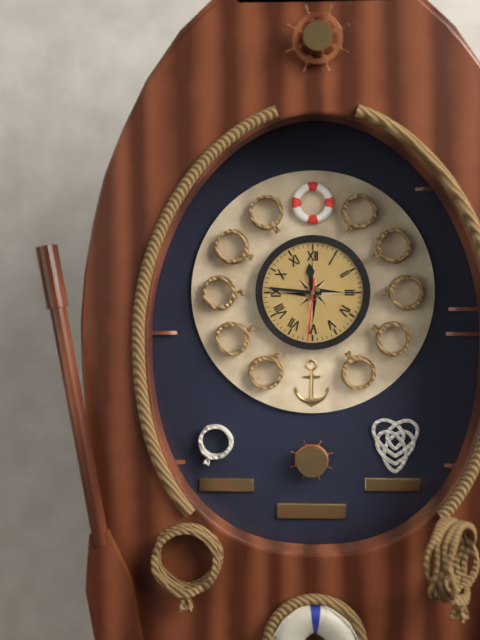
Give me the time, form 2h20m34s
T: 11h46m31s
